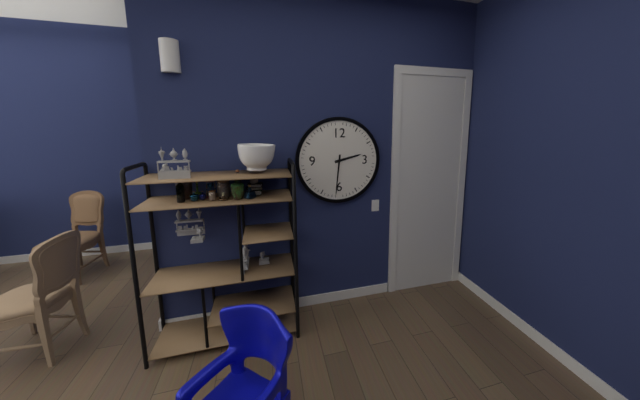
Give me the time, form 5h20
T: 2h31
